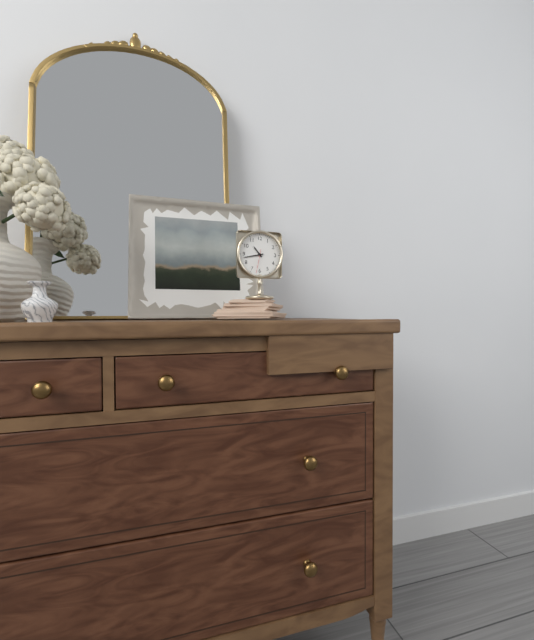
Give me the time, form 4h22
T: 10h43
